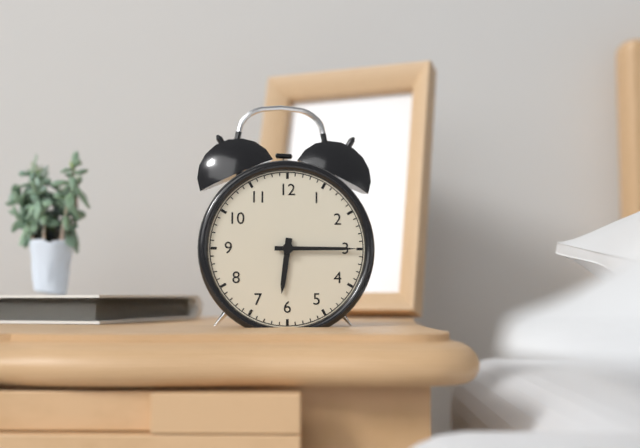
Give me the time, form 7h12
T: 6h15
